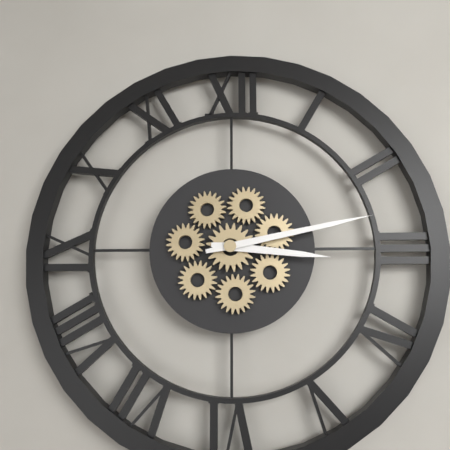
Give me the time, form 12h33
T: 3h13
